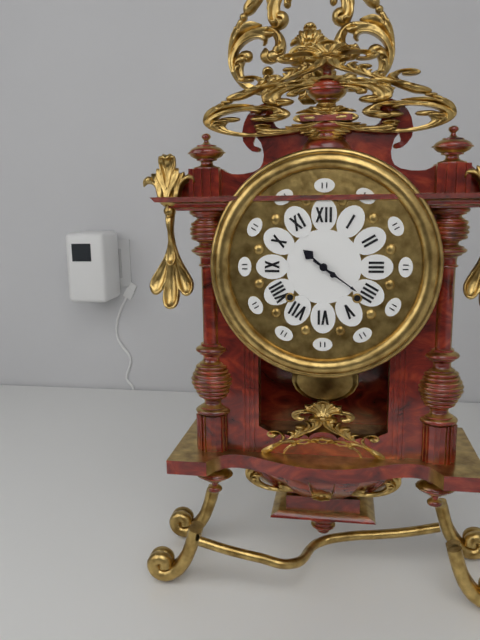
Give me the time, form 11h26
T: 10h21
